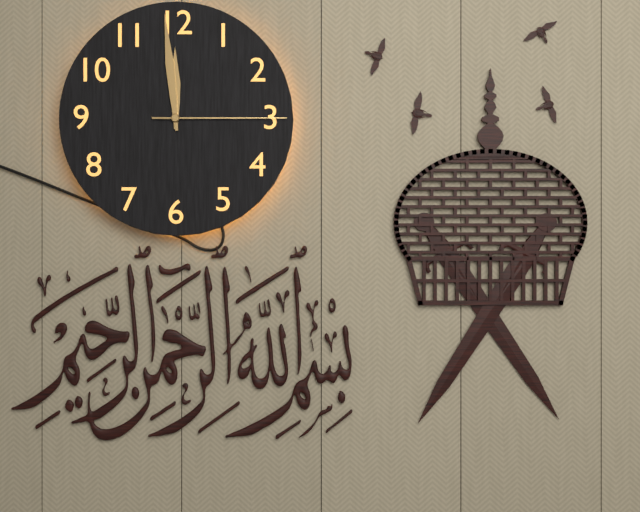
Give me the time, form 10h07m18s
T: 11h59m15s
